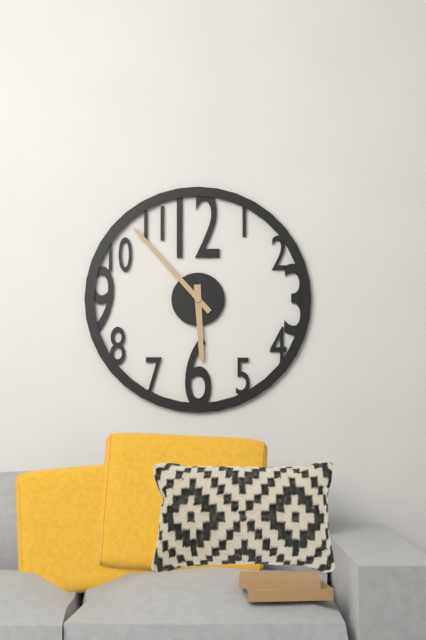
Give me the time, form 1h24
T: 5h53
